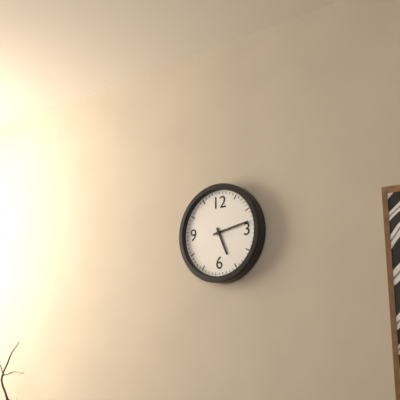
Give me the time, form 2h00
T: 5h13
